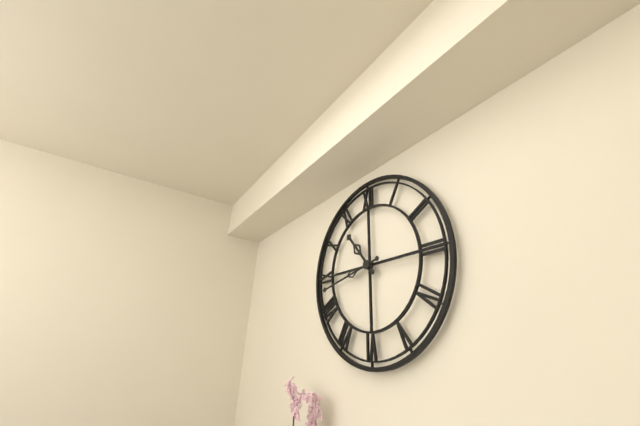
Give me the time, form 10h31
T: 10h43
